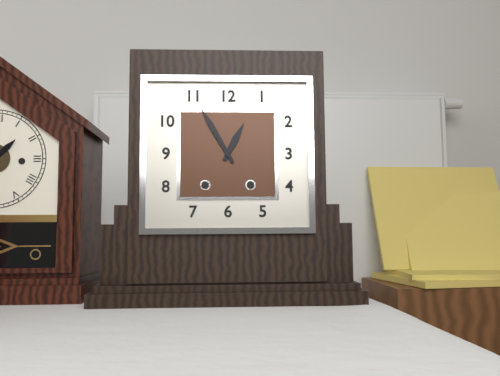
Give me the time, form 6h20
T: 12h55
